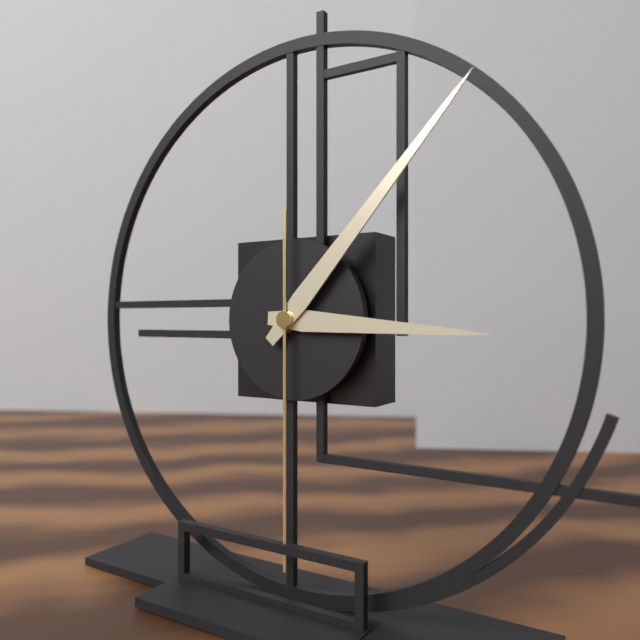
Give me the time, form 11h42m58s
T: 3h07m30s
